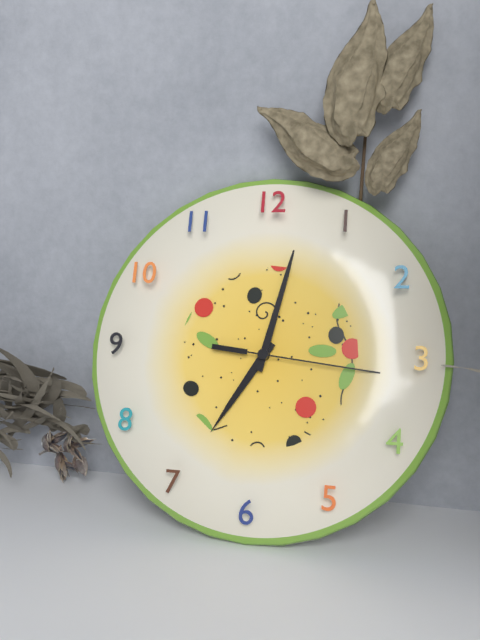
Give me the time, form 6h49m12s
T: 7h02m16s
